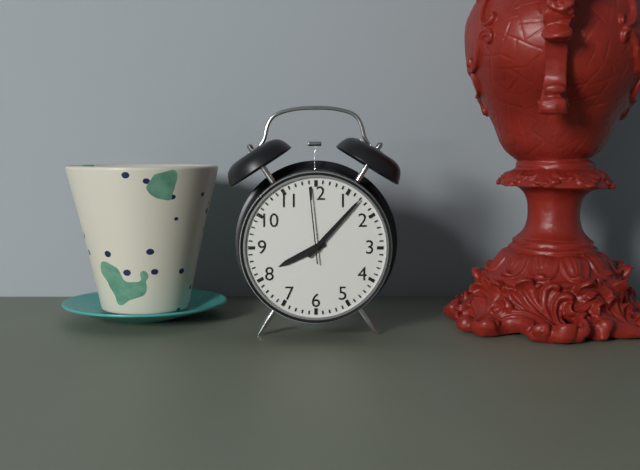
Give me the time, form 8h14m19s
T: 8h07m59s
